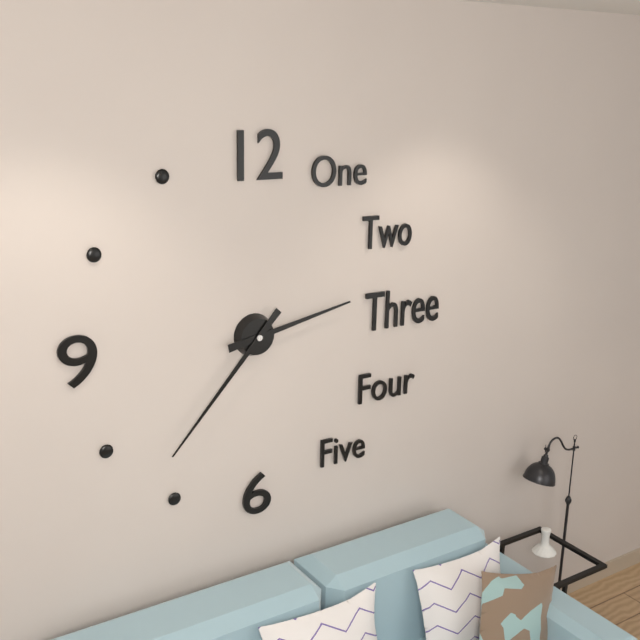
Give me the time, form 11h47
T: 2h37
